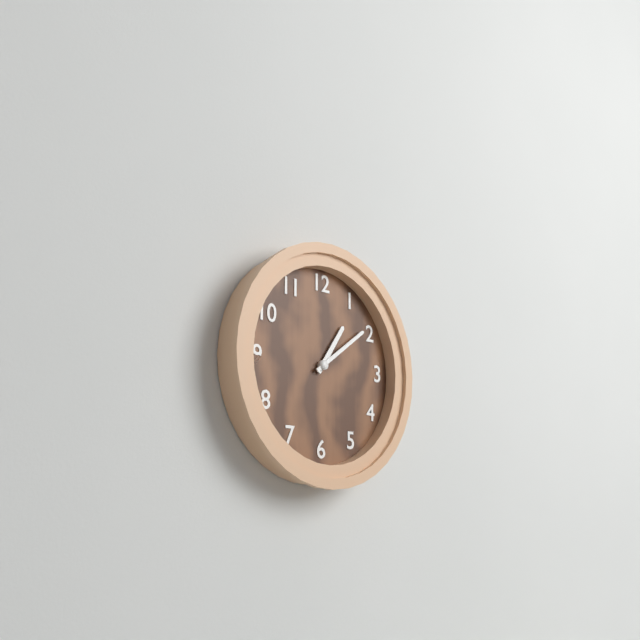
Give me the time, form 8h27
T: 1h09
